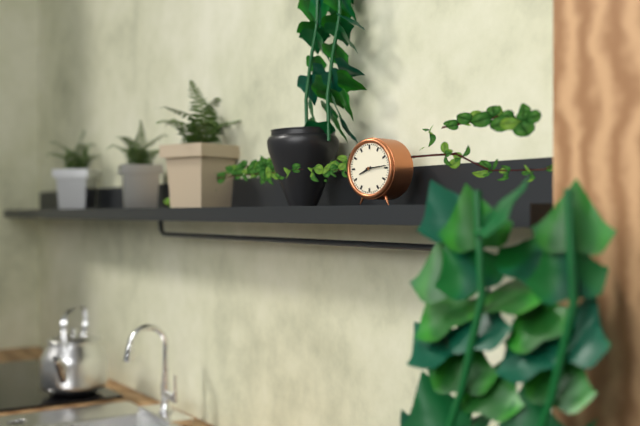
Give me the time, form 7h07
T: 8h14
